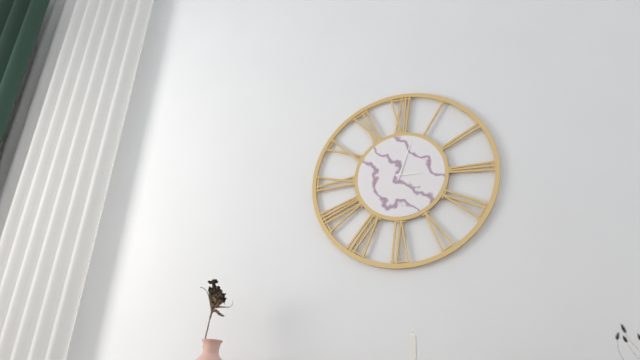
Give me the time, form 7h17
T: 3h03
